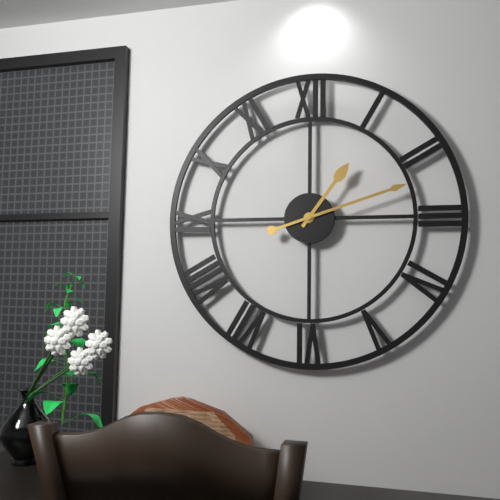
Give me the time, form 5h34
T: 1h12
